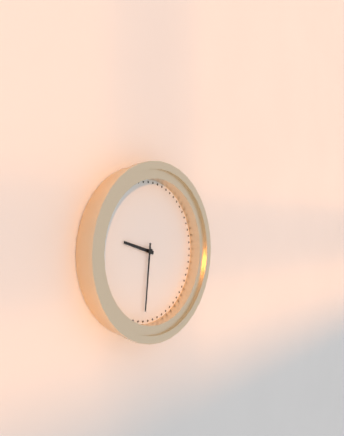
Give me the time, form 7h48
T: 9h31
